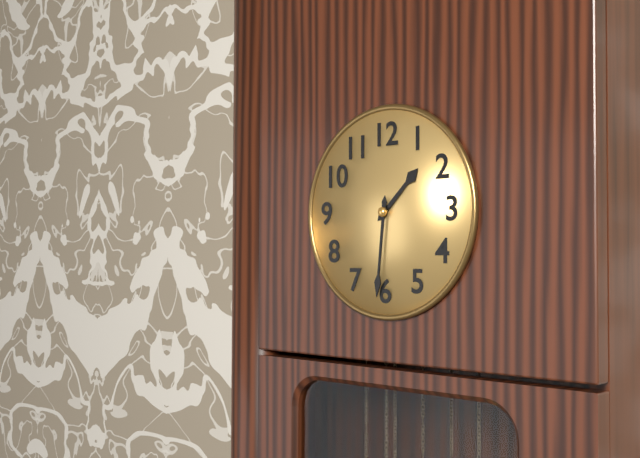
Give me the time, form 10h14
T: 1h31
